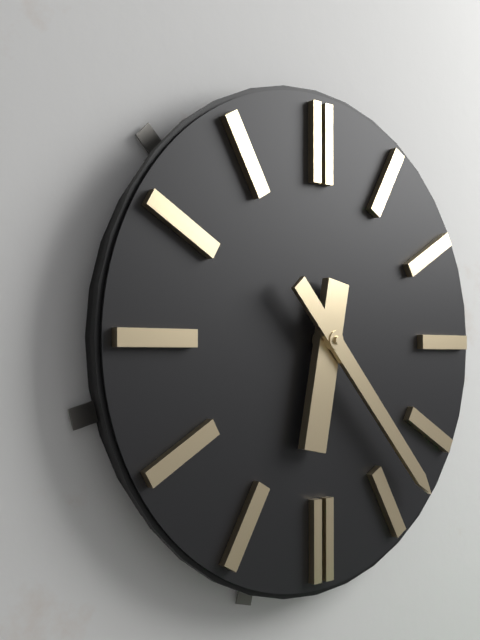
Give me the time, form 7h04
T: 6h23
